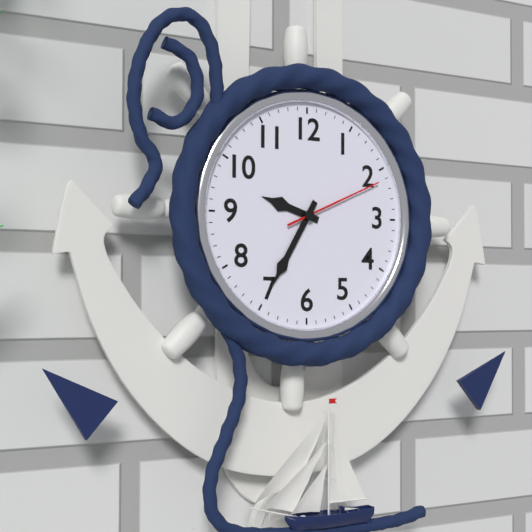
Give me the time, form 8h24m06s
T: 9h35m11s
